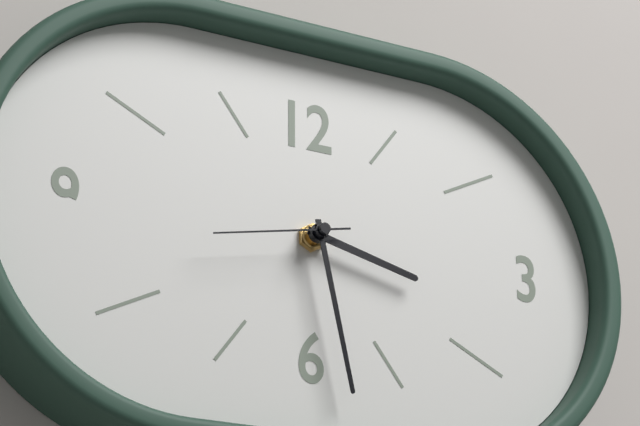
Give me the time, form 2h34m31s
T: 3h28m43s
